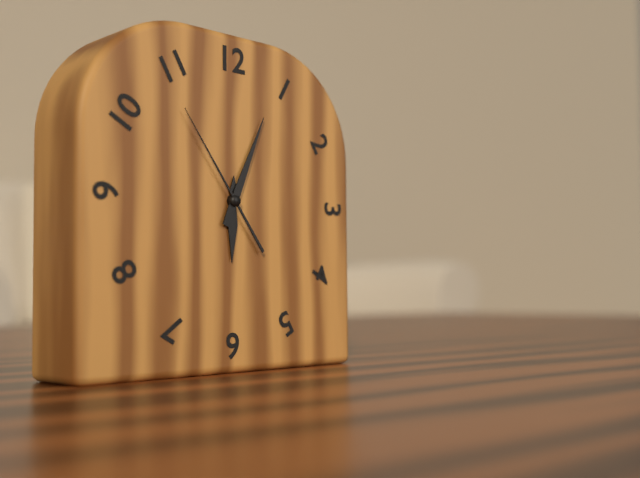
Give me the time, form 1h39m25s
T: 6h04m54s
